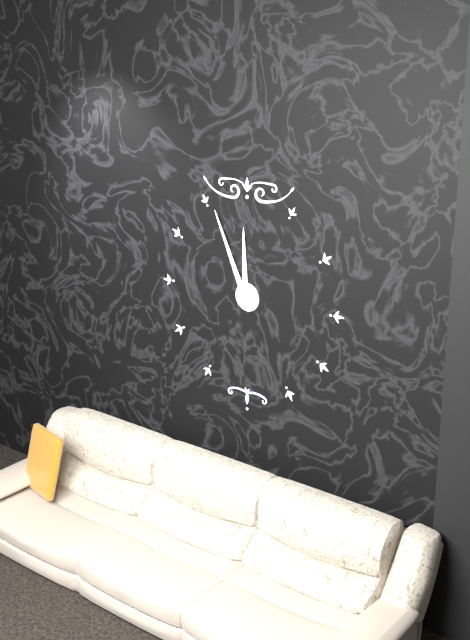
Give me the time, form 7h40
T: 11h56
